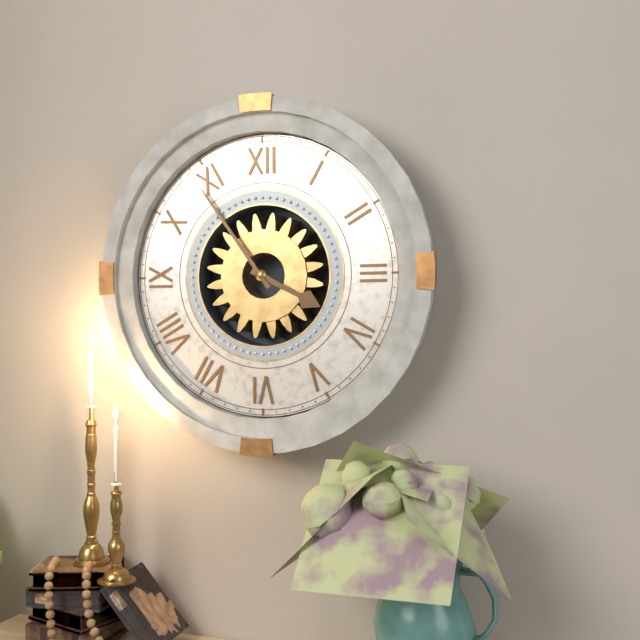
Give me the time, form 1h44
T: 3h54
